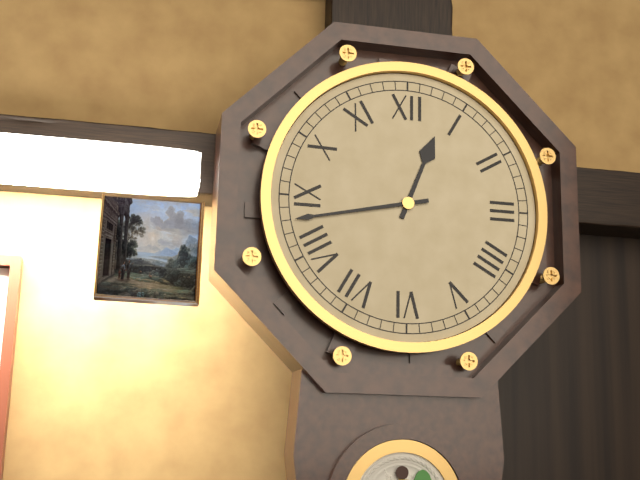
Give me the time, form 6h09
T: 12h43
